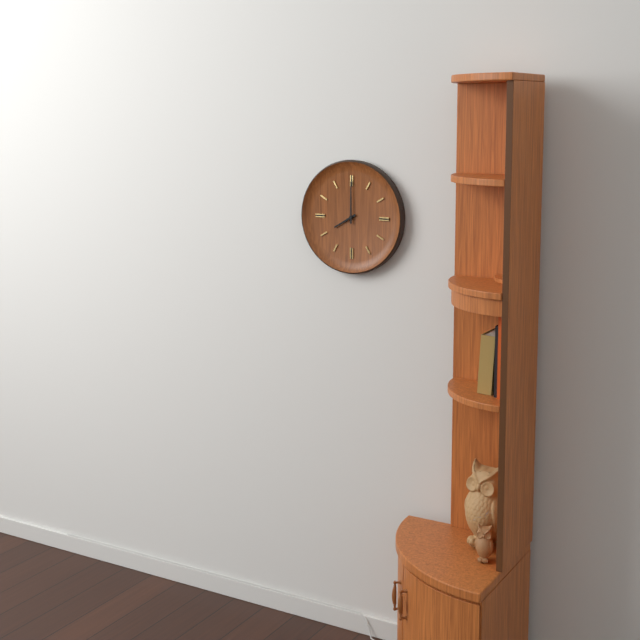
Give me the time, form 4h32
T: 8h00
